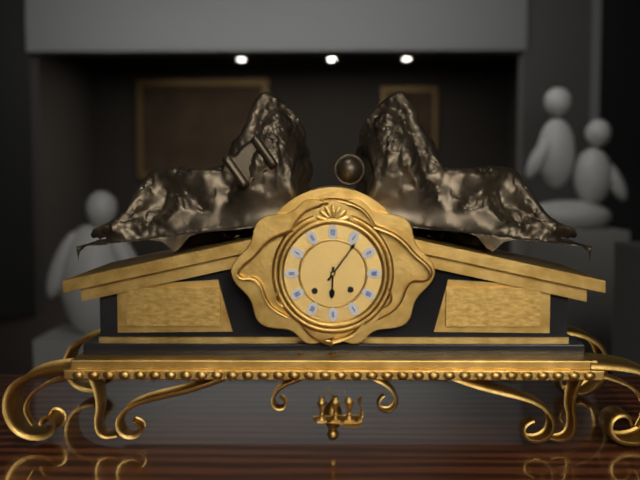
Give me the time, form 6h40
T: 6h06
